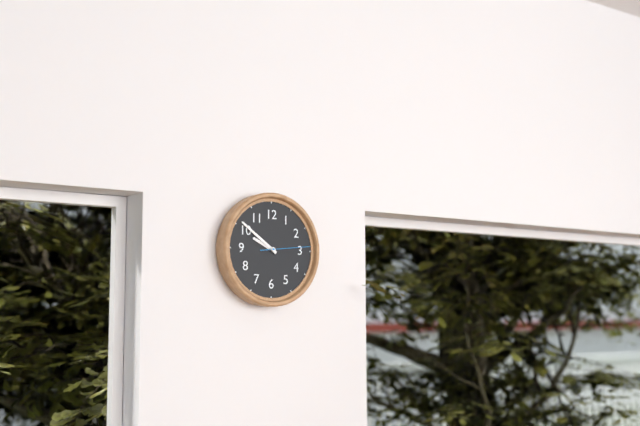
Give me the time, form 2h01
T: 9h51
